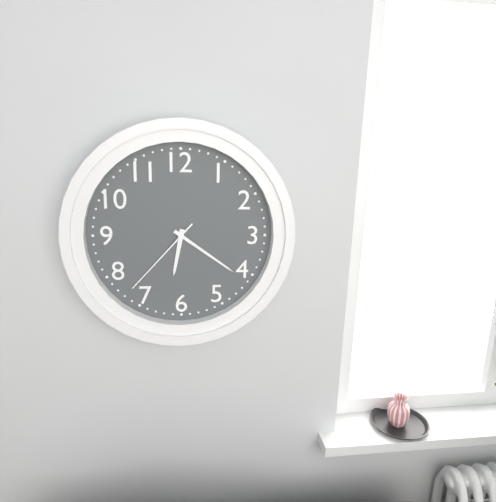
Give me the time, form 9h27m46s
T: 6h21m37s
